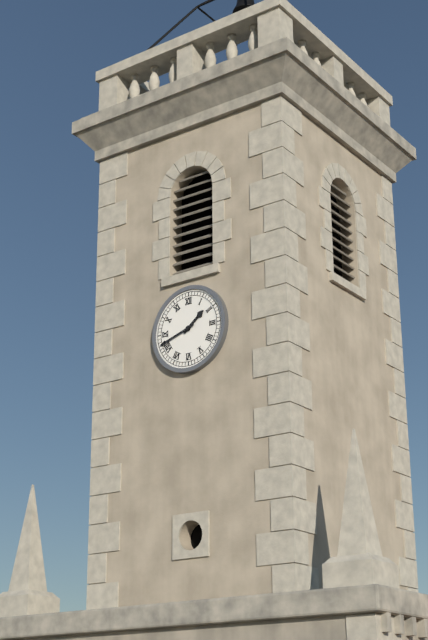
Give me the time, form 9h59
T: 1h42
